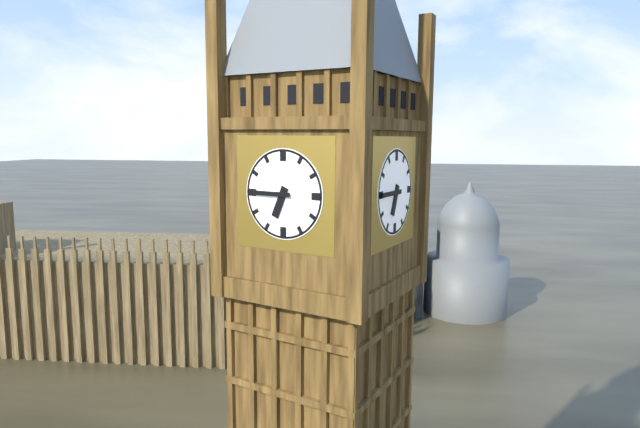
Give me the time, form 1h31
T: 6h45
